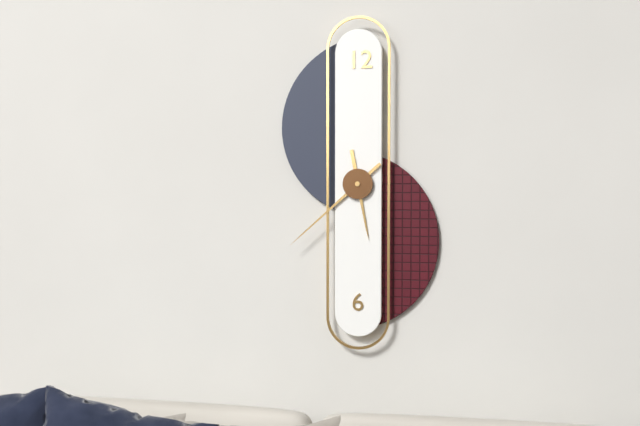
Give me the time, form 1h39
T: 5h38
